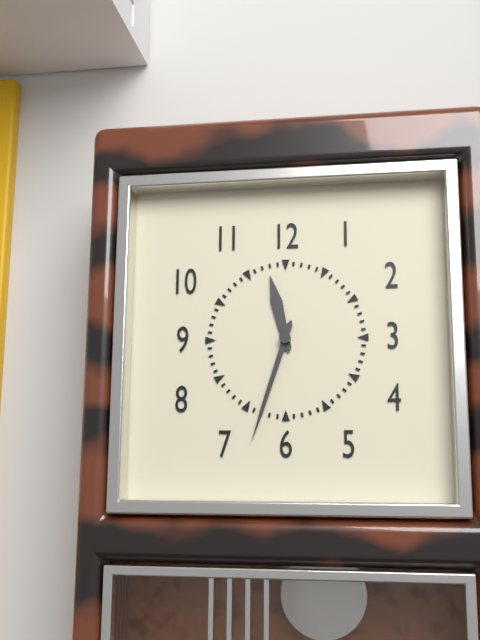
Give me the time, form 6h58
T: 11h33
